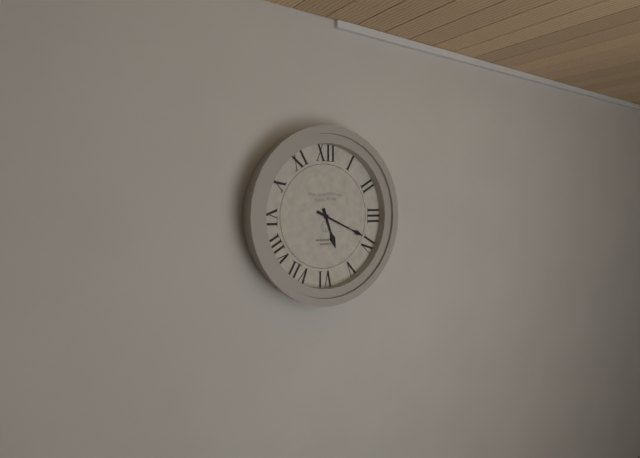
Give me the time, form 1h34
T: 5h19
